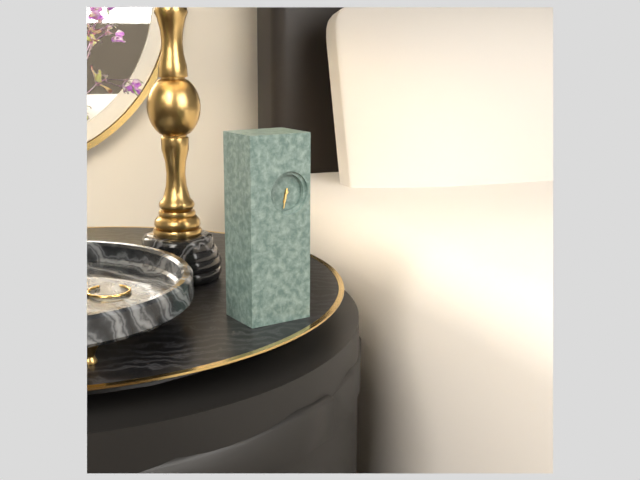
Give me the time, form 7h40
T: 6h32
